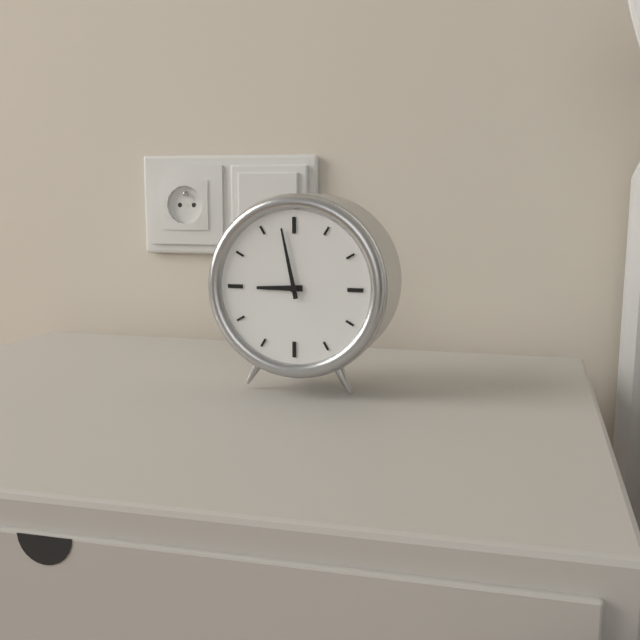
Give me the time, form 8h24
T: 8h58
